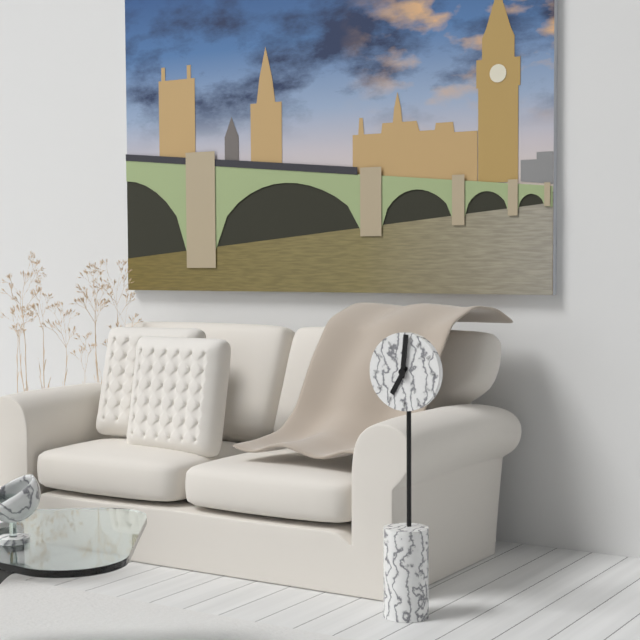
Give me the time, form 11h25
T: 7h01
